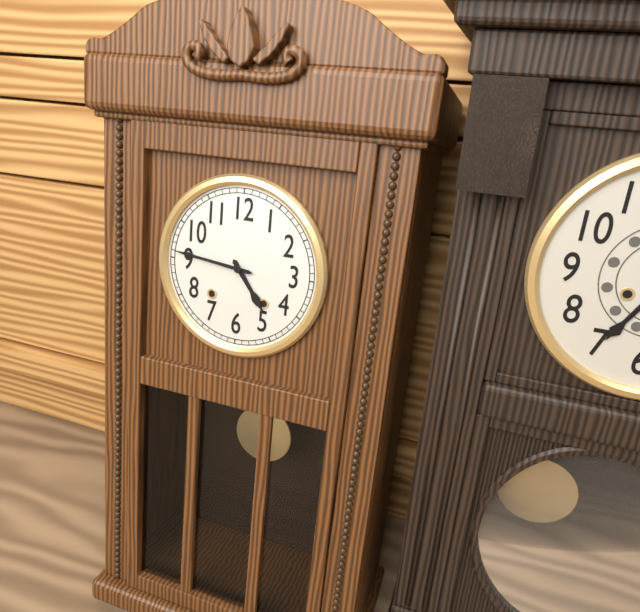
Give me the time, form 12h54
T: 4h46
